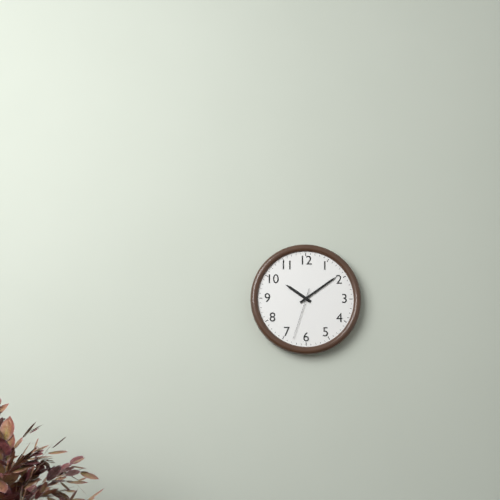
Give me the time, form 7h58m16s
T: 10h09m33s
